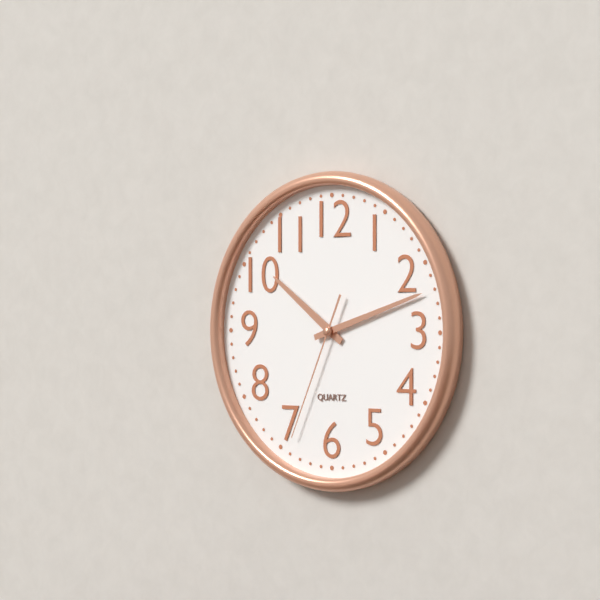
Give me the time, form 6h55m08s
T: 10h12m34s
